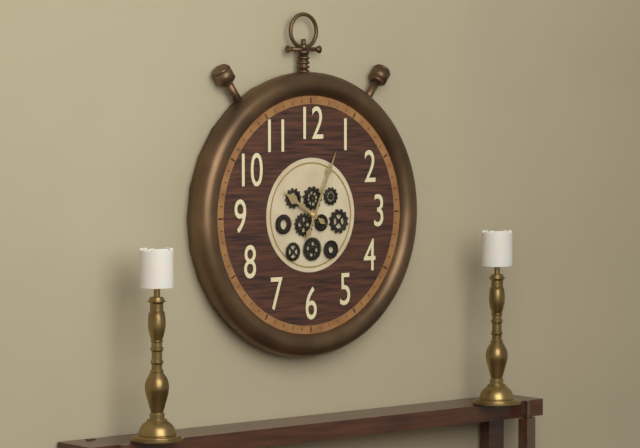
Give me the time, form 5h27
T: 10h04
